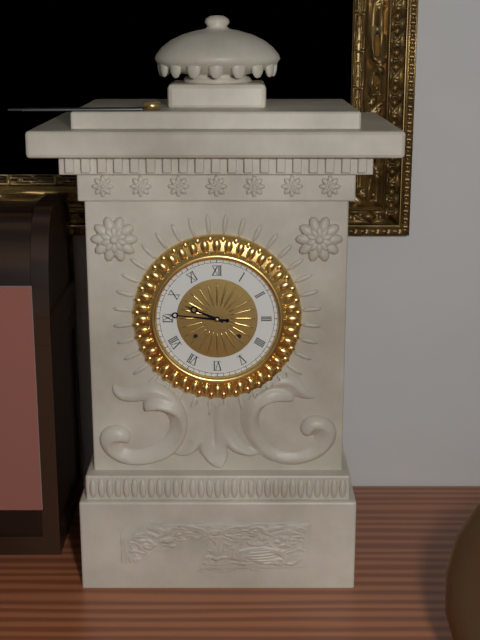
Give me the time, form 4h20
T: 9h46
